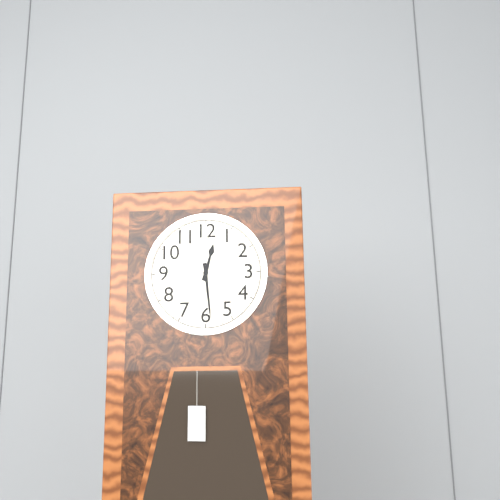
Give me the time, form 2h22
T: 12h29
